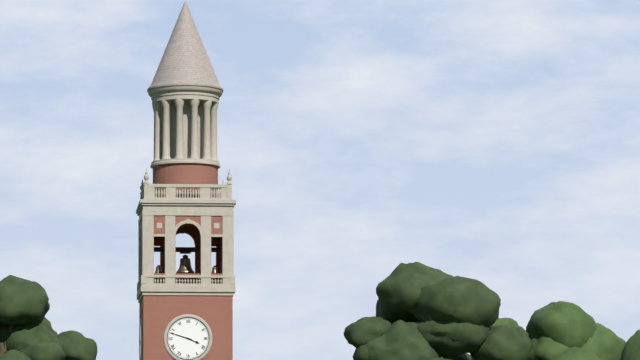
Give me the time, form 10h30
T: 3h48
